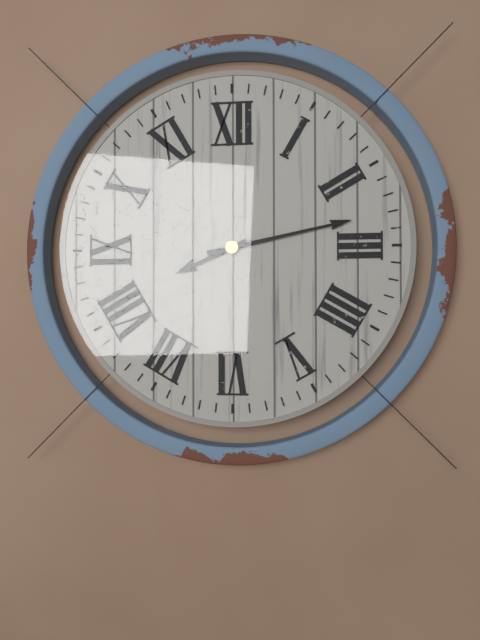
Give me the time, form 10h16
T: 8h13
